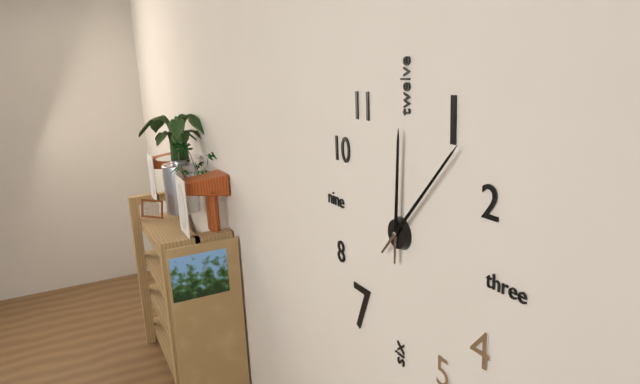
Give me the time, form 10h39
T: 12h07
